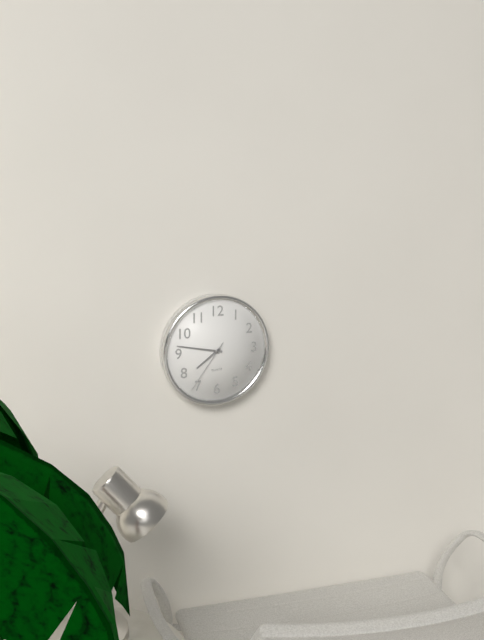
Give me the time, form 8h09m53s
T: 7h47m36s
